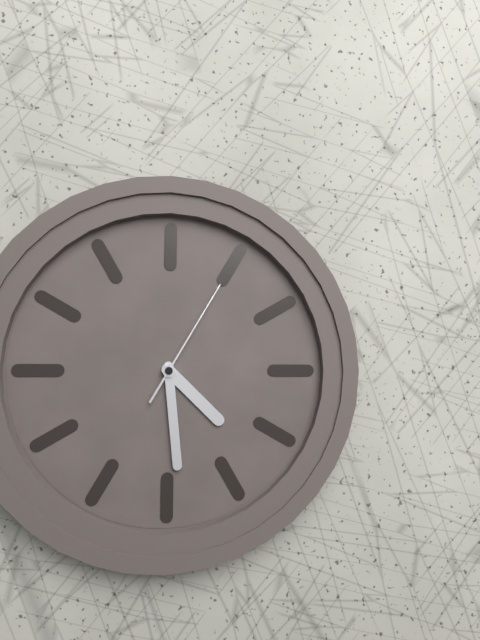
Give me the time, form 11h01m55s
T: 4h29m05s
